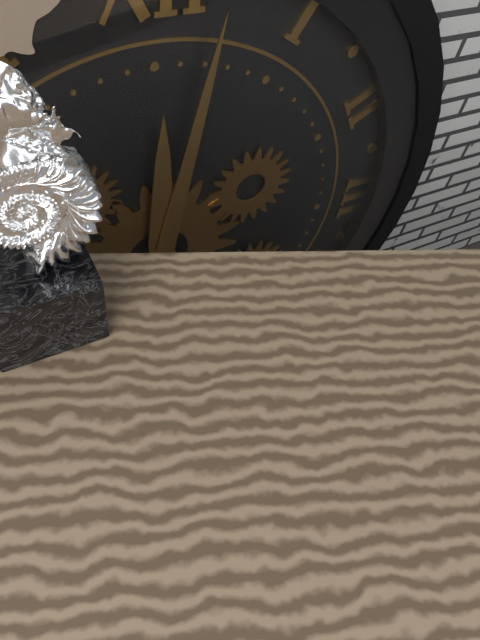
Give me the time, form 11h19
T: 12h02
